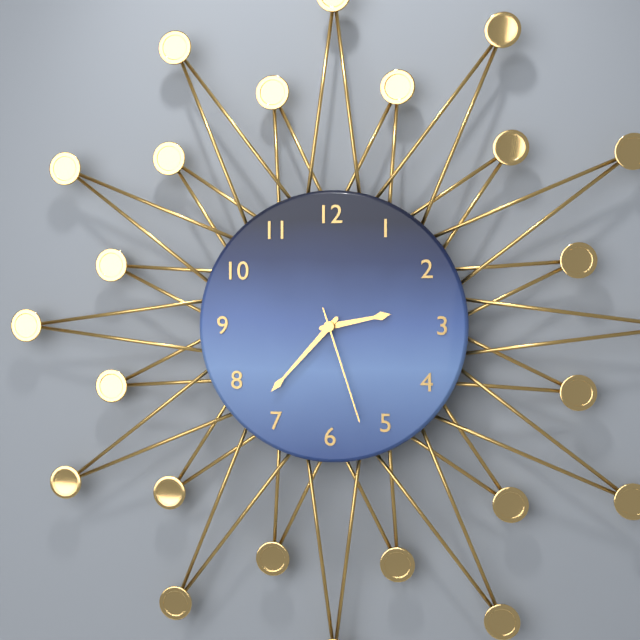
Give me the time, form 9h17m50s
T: 2h37m27s
